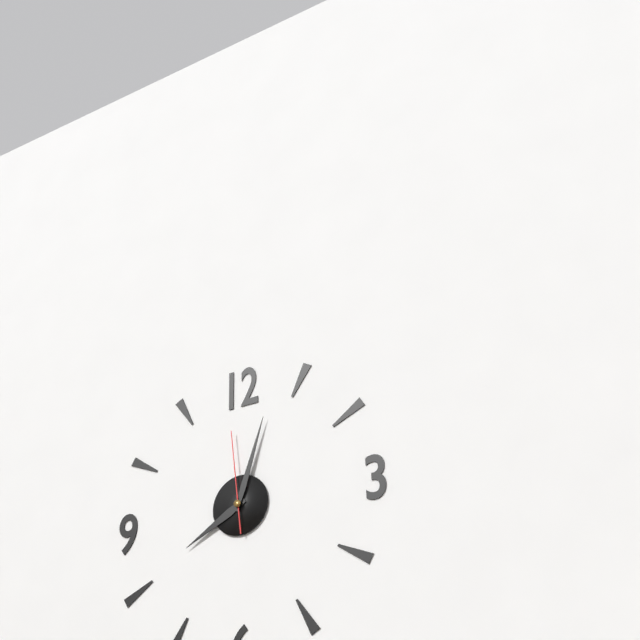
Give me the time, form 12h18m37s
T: 8h03m59s
